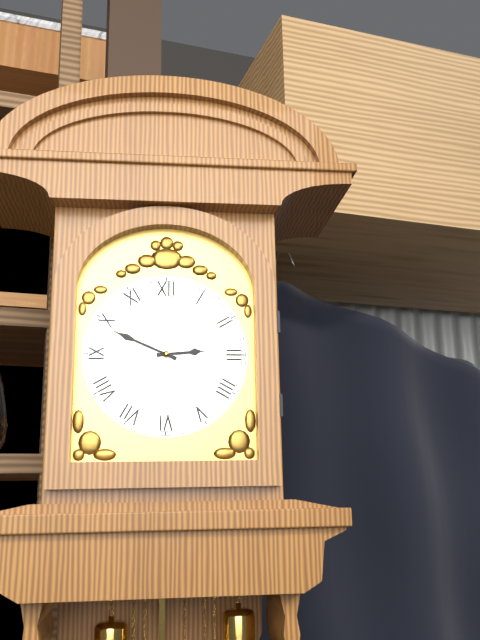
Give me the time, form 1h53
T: 2h49
